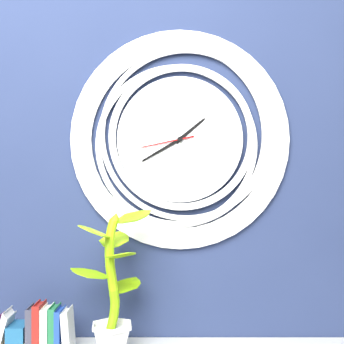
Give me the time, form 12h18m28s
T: 1h40m43s
